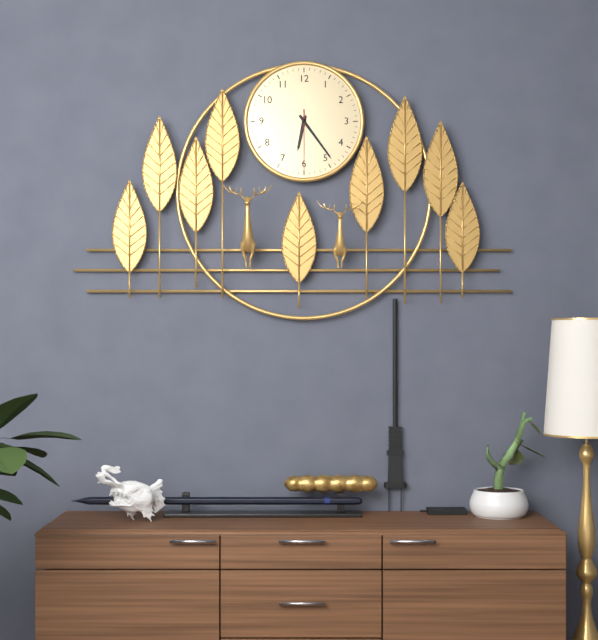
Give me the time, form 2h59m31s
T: 6h24m30s
